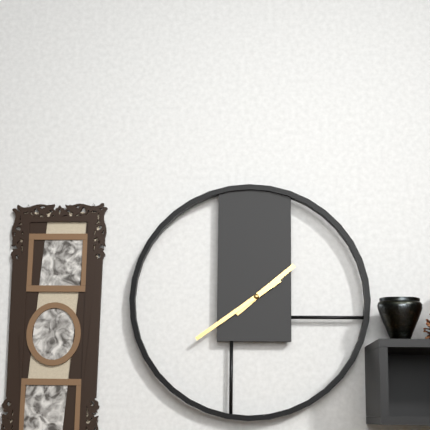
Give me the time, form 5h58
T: 1h39
